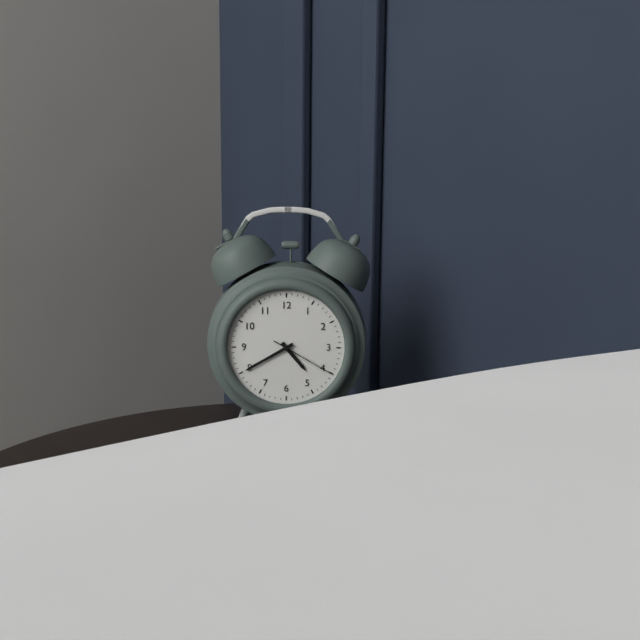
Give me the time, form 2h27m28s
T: 4h40m20s
